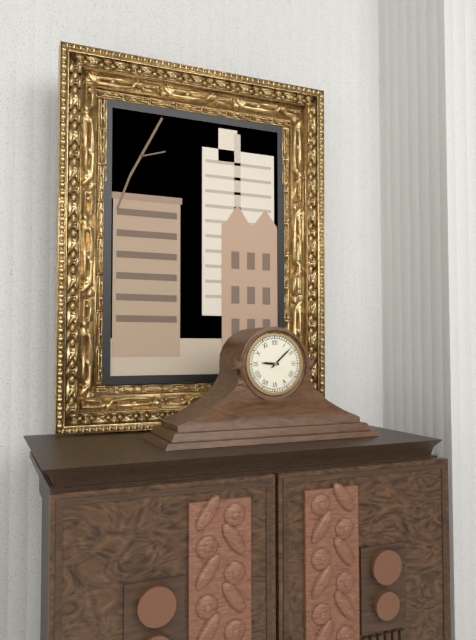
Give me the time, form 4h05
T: 9h08
